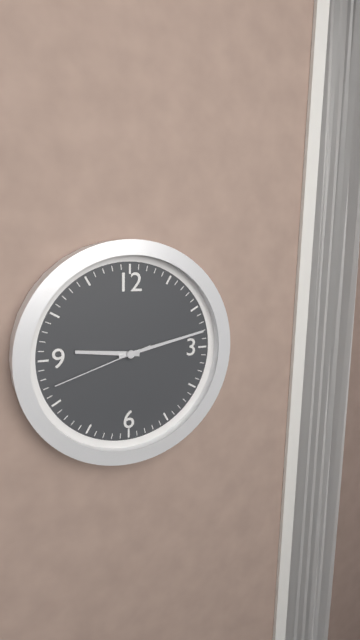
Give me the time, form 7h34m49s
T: 9h13m42s
